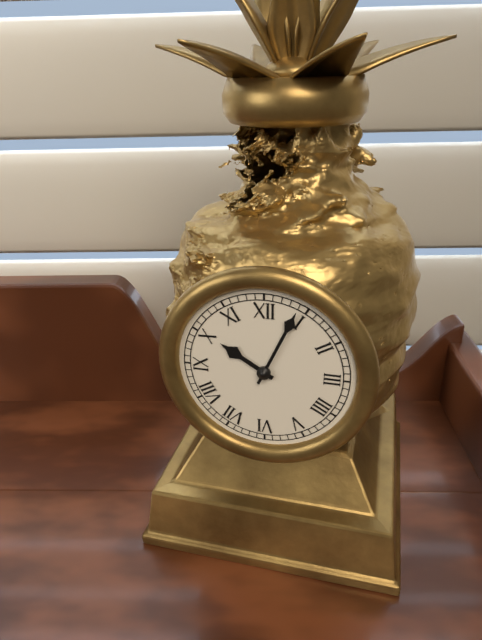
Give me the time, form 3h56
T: 10h04
